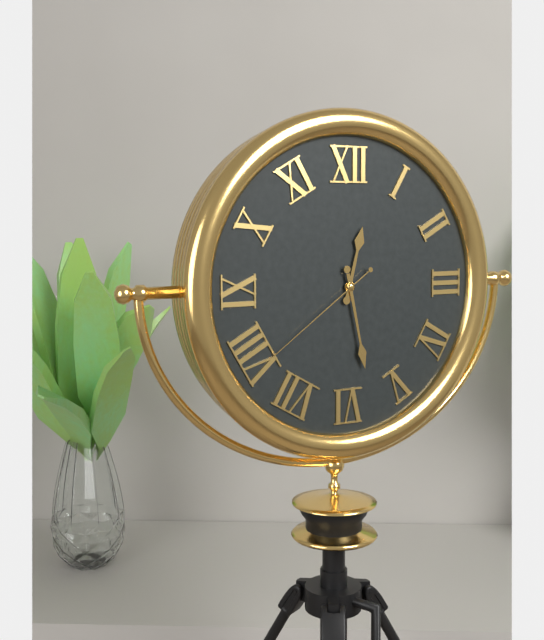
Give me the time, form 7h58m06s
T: 12h28m39s
